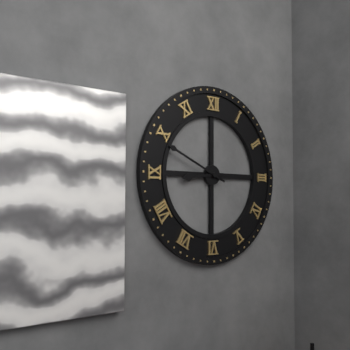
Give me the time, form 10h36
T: 8h49
